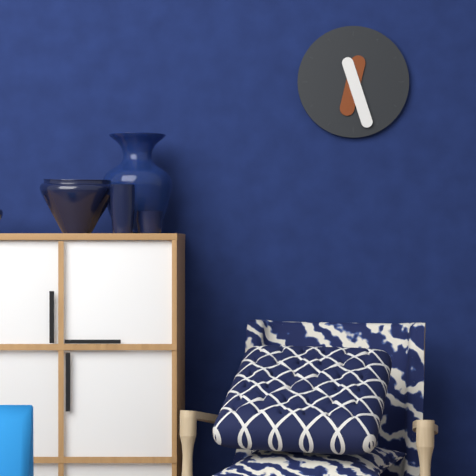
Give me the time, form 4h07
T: 6h27
